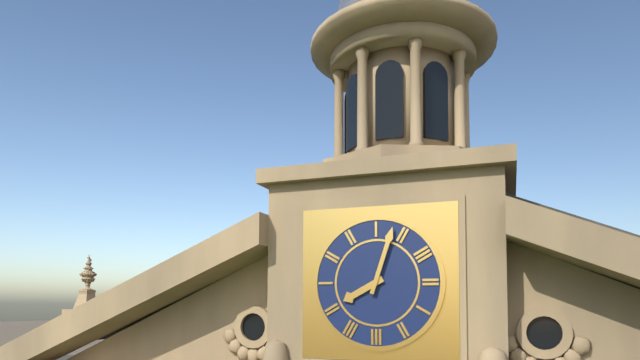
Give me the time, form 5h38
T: 8h03
